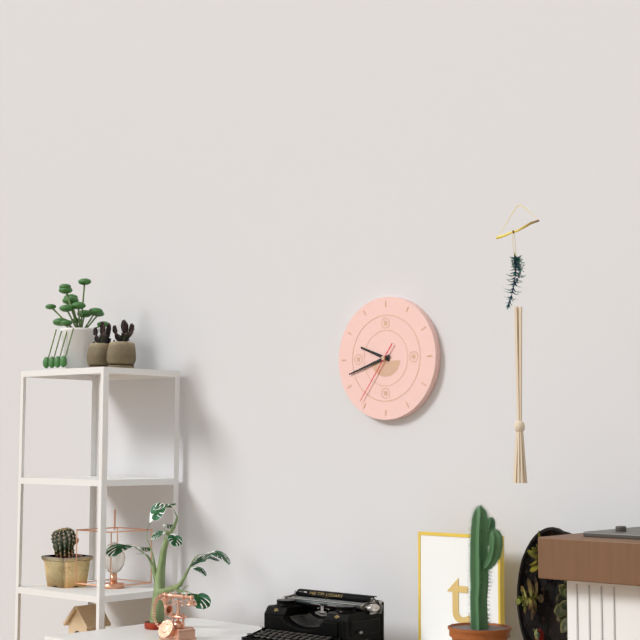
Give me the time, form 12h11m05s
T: 9h42m36s
